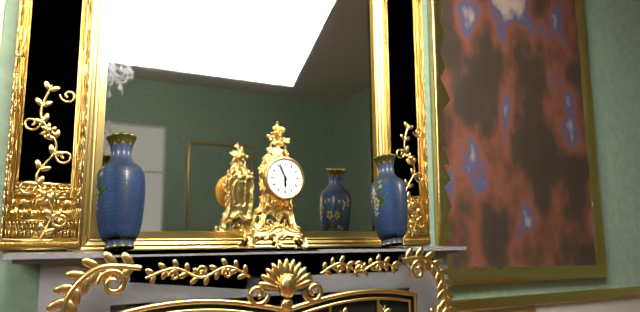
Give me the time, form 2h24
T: 5h56
